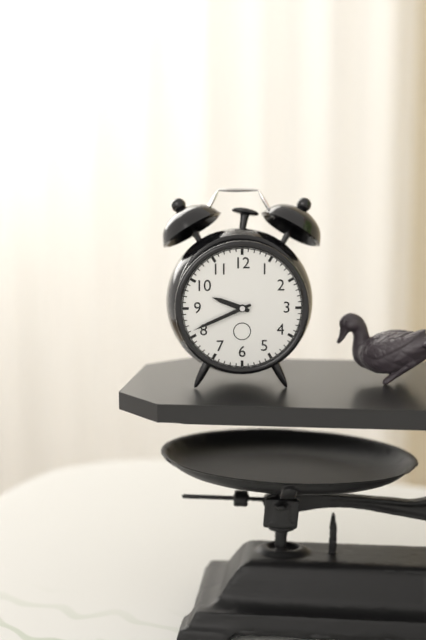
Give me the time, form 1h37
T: 9h41
